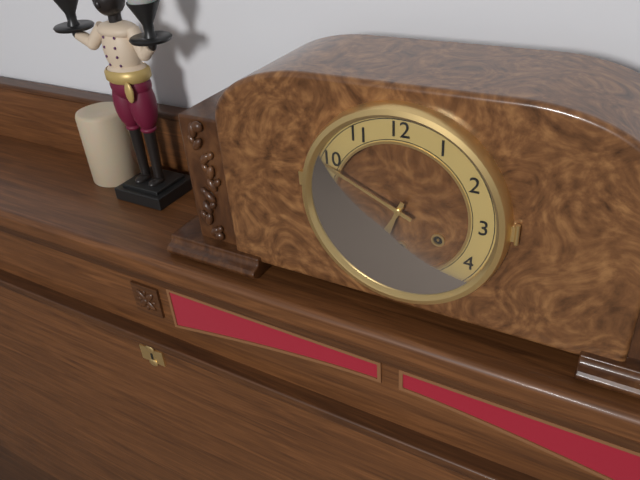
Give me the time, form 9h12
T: 6h49
